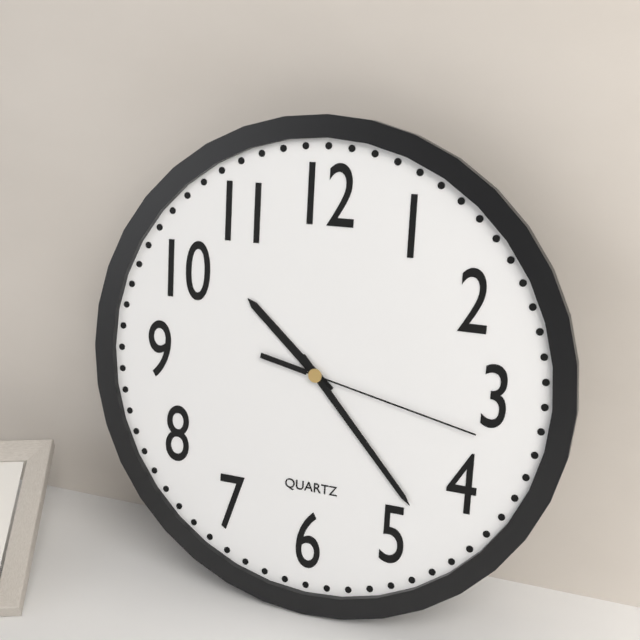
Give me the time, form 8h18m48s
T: 10h23m17s
